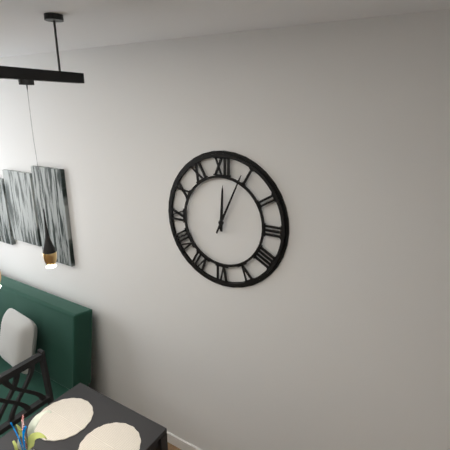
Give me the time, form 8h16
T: 12h04
